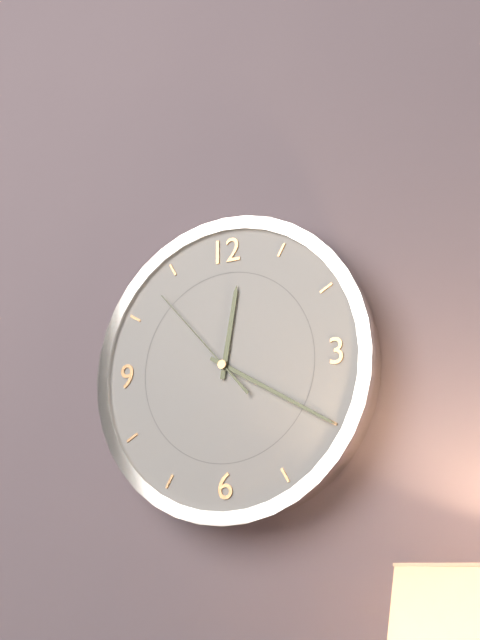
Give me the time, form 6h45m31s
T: 12h20m53s
